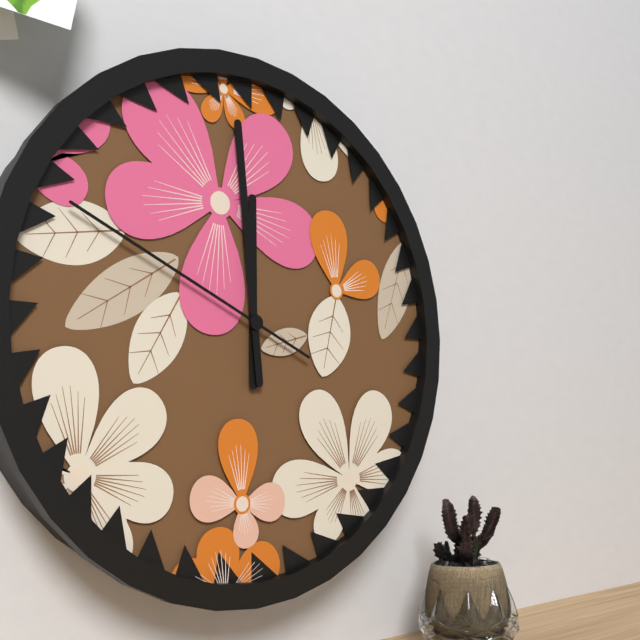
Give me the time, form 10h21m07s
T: 11h59m49s
